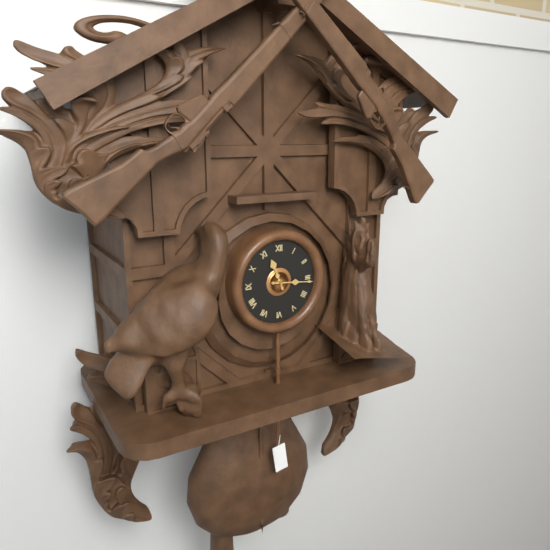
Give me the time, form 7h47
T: 11h16
